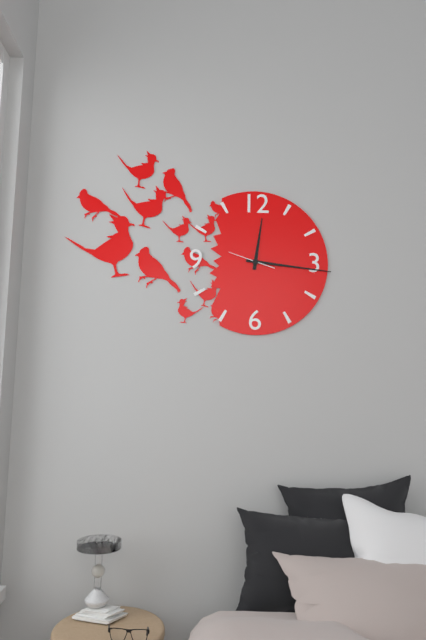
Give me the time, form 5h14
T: 12h16
